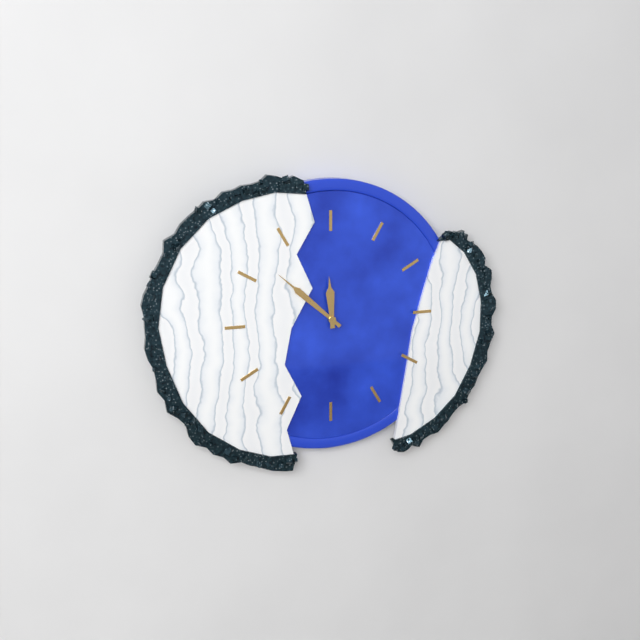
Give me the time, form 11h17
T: 11h52
